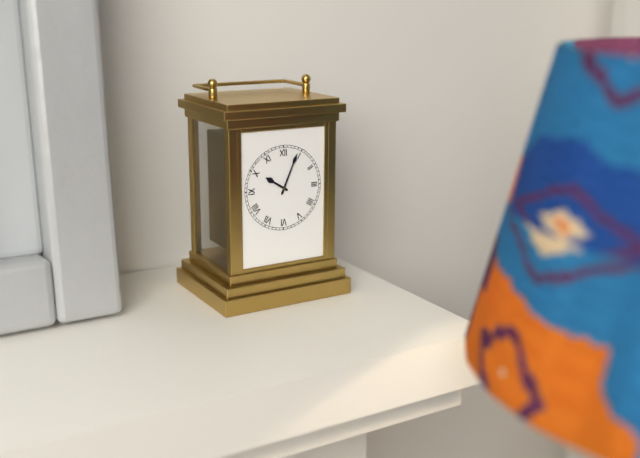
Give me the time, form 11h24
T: 10h04
